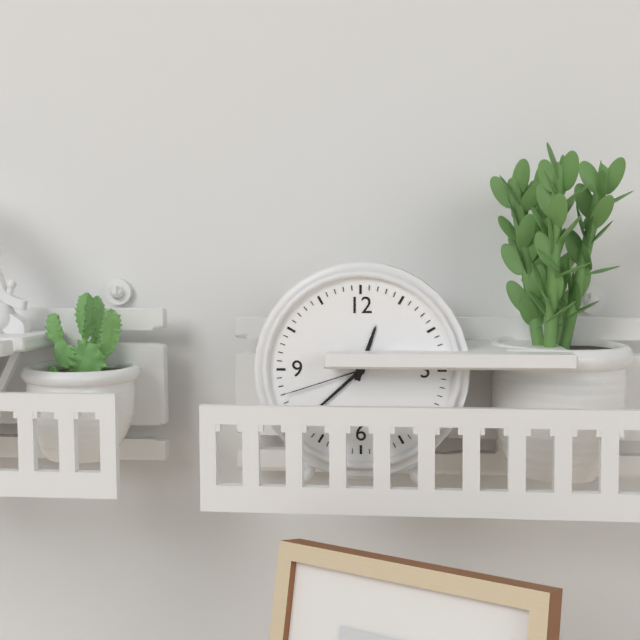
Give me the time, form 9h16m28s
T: 12h38m42s
